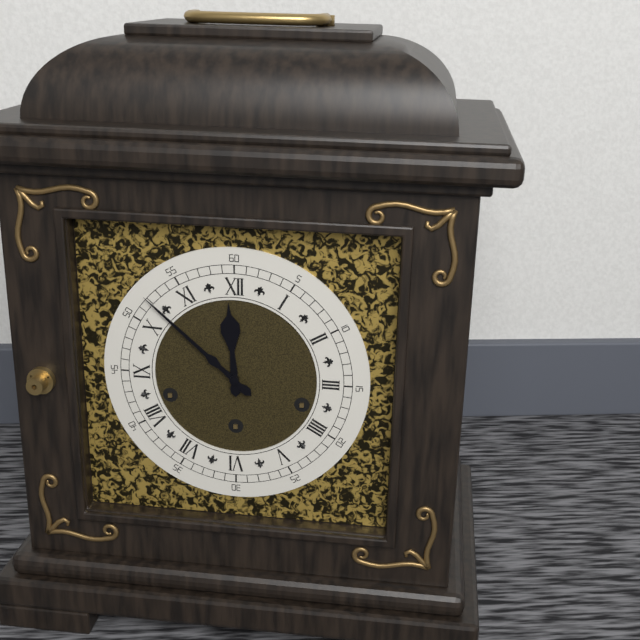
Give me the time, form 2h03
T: 11h52
